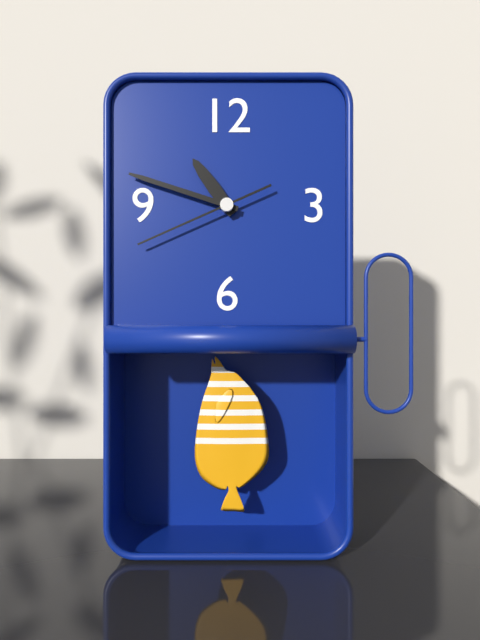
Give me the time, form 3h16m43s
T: 10h48m41s
